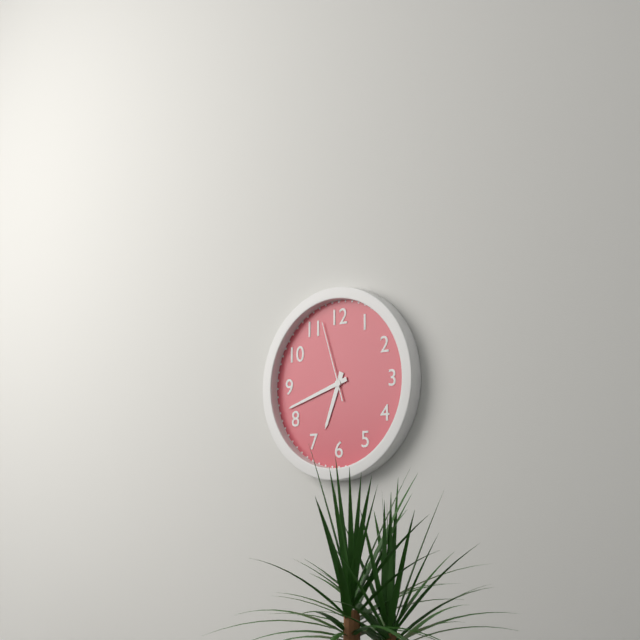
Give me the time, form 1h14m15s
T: 6h42m57s
